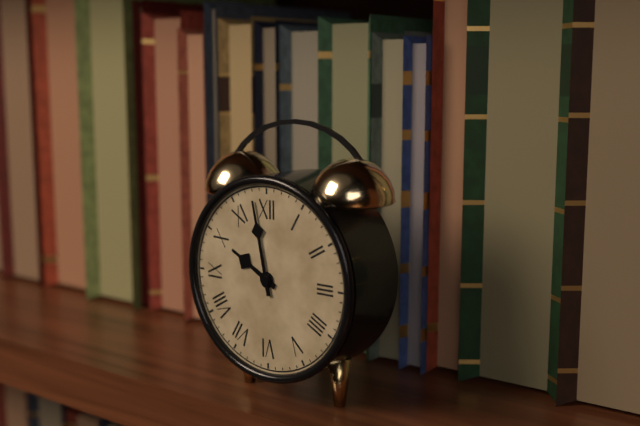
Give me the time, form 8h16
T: 9h58
